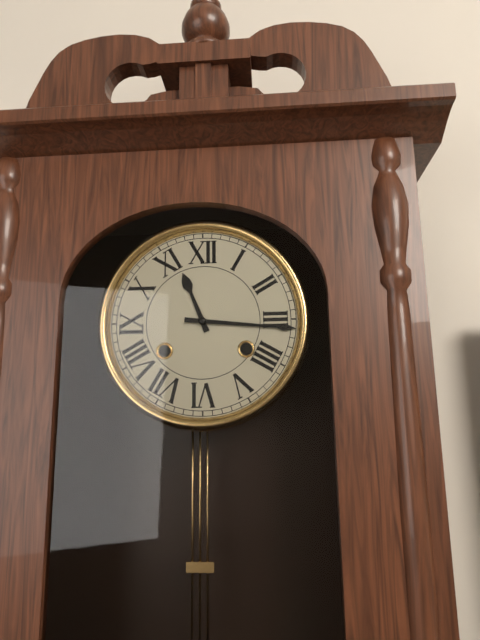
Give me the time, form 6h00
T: 11h16
